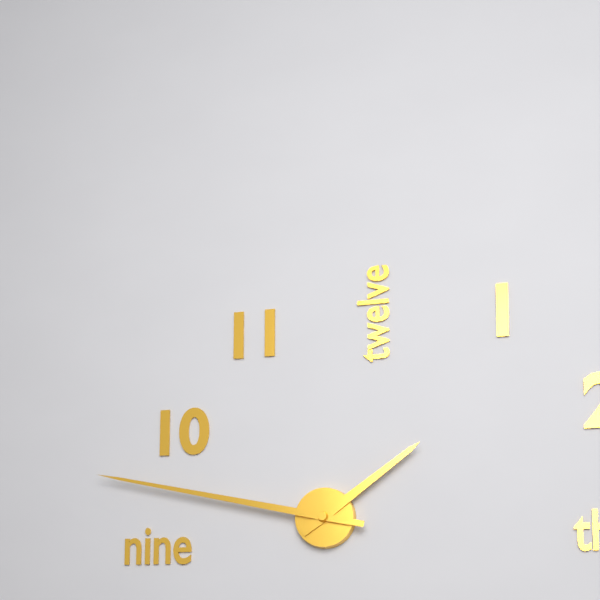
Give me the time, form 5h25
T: 1h47
